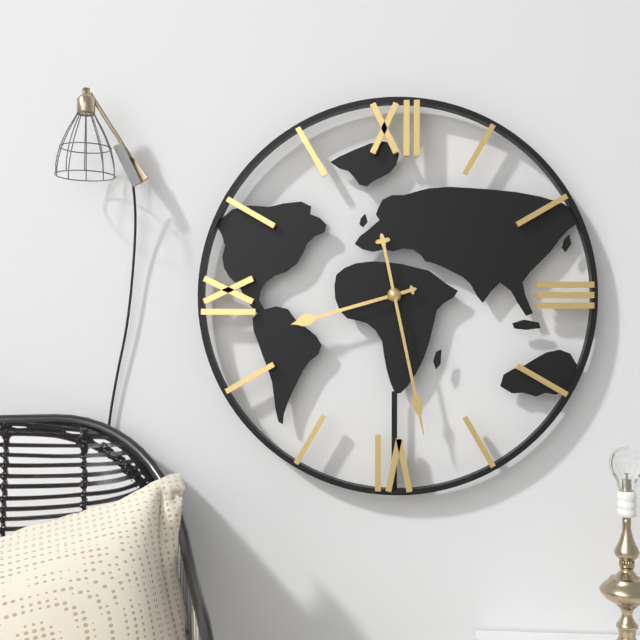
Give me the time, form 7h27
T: 8h28
